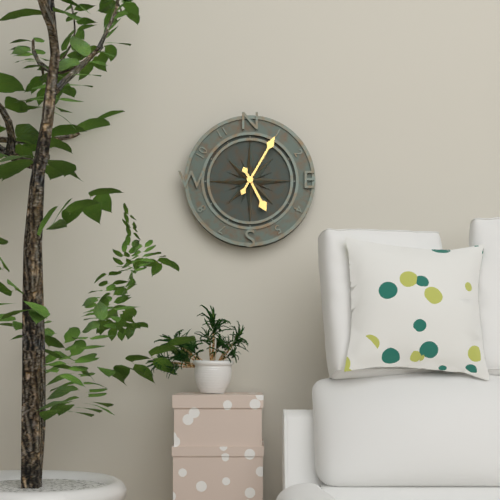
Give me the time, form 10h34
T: 5h05
